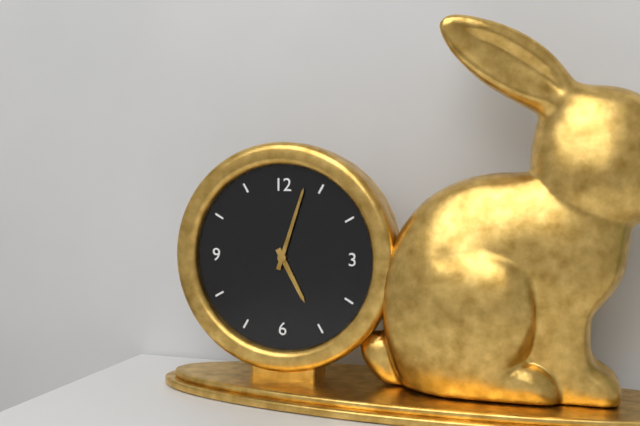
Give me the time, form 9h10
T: 5h03
